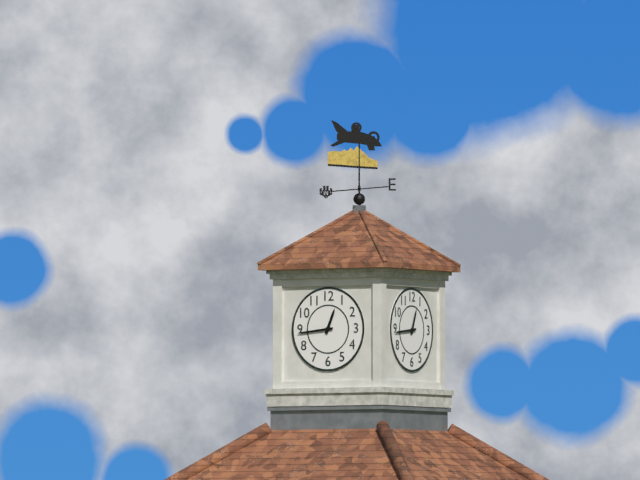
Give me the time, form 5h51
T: 12h44
